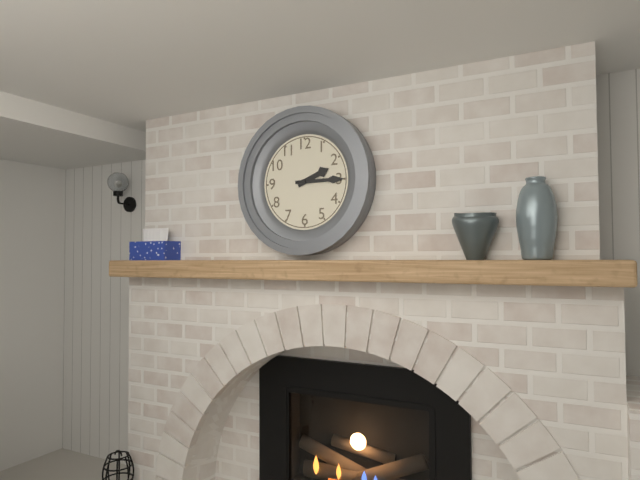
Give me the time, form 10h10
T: 2h15
